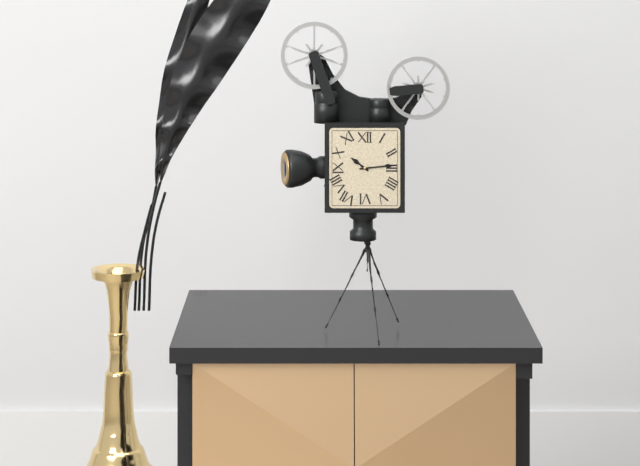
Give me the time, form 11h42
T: 10h14
